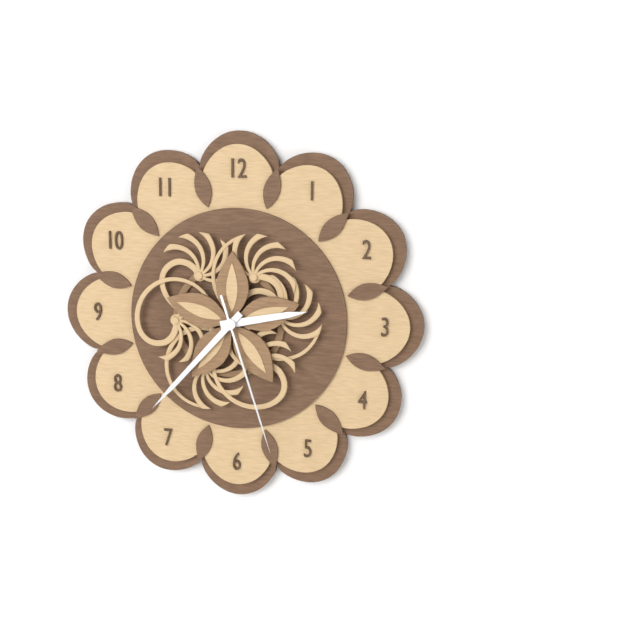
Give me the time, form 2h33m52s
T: 2h37m27s
